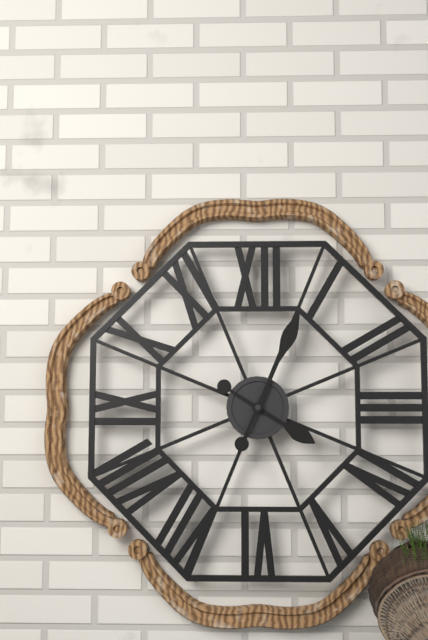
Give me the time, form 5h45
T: 4h04
